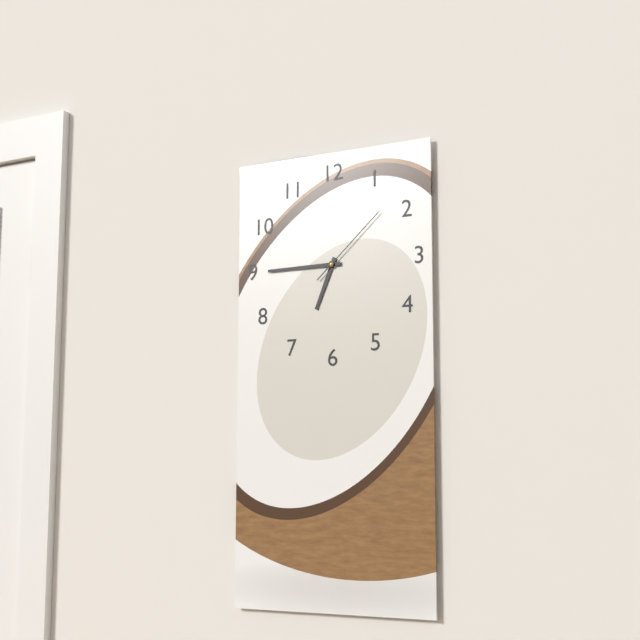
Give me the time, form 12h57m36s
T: 6h45m08s
